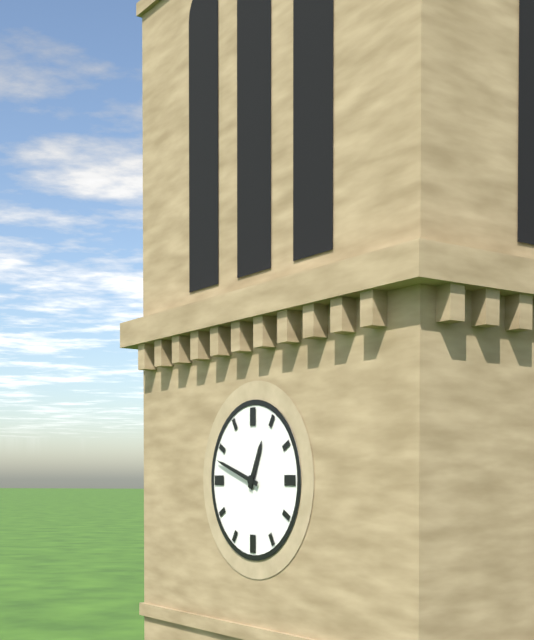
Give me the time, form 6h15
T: 12h48
